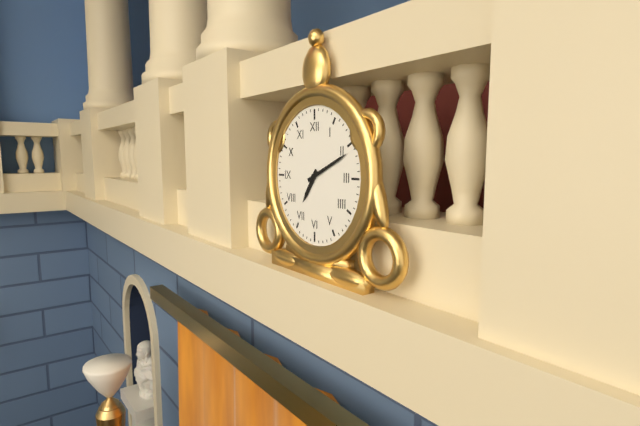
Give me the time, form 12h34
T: 7h11
